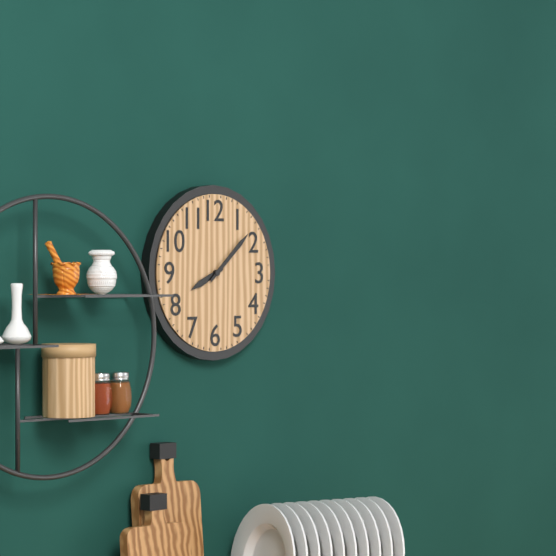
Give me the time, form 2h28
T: 8h08
